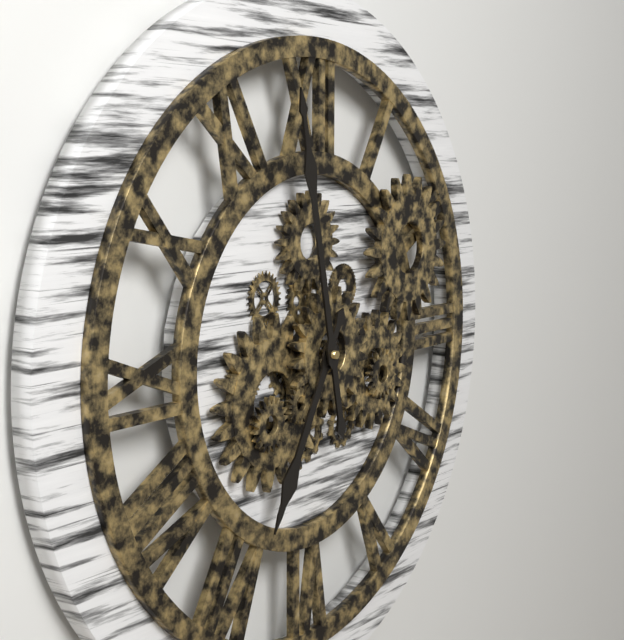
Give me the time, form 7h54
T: 6h58
